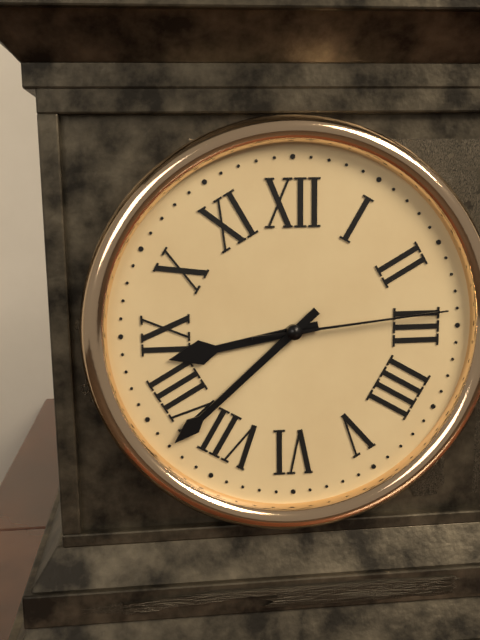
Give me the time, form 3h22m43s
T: 8h38m14s
